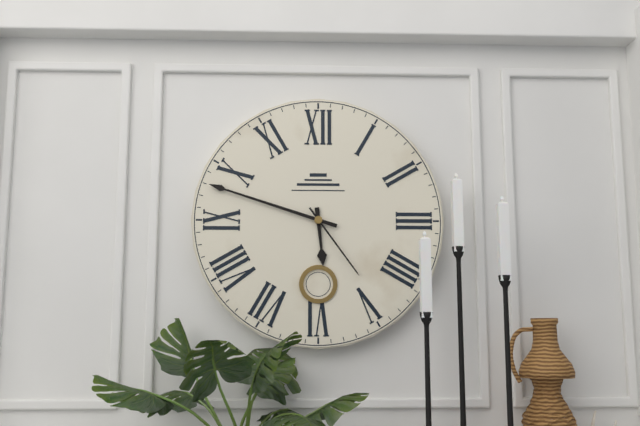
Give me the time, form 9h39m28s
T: 5h48m24s
